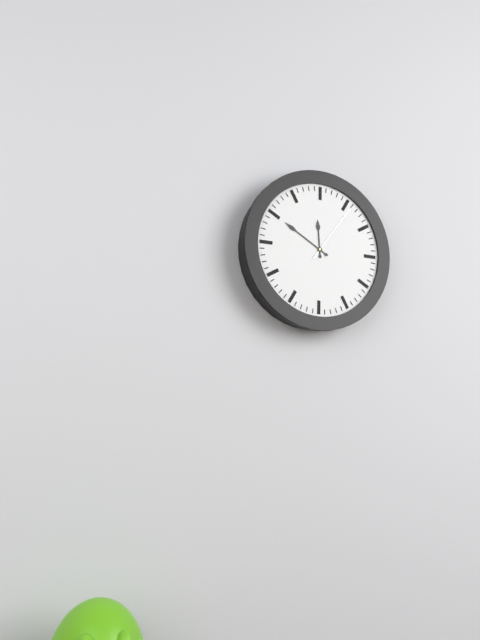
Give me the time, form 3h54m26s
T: 11h50m06s
